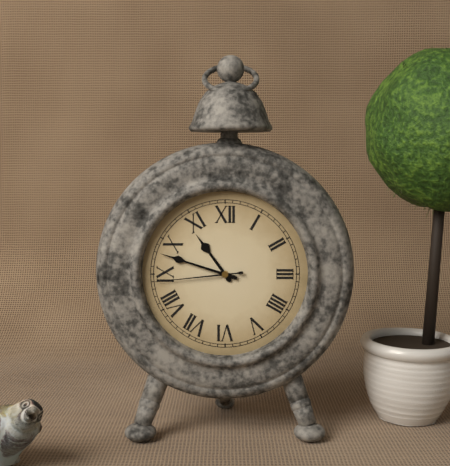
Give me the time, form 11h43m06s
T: 10h48m44s
